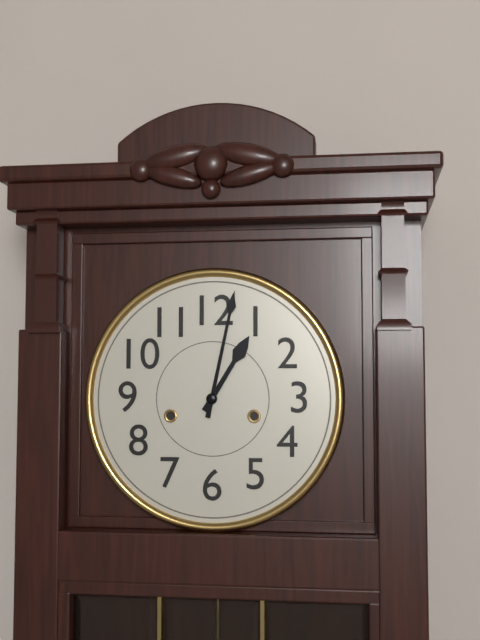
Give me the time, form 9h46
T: 1h02
